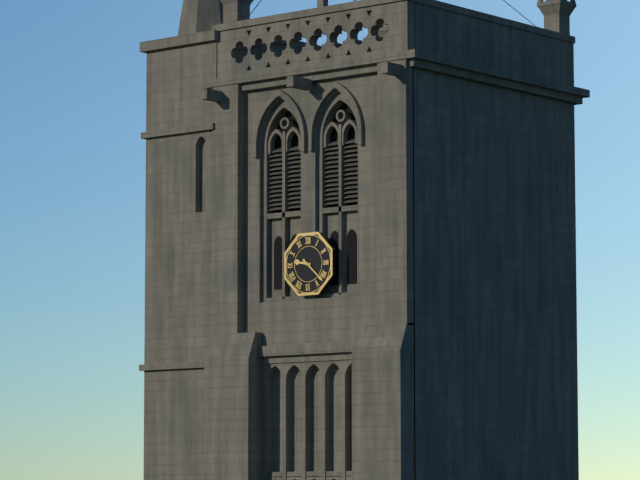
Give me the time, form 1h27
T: 9h22
